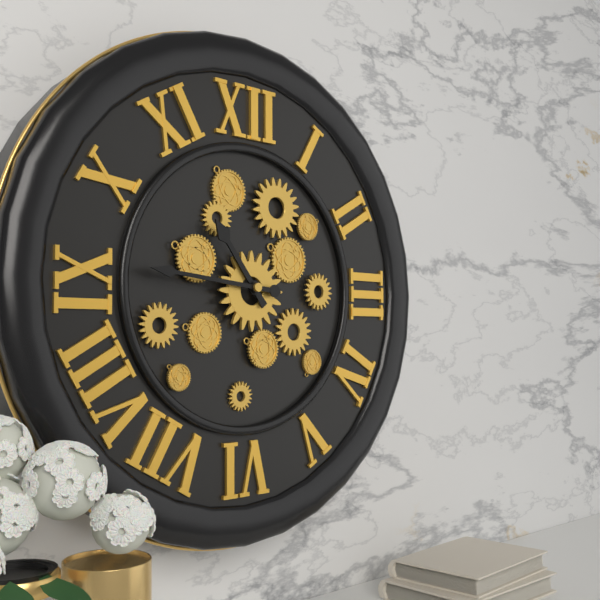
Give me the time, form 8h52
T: 10h46
